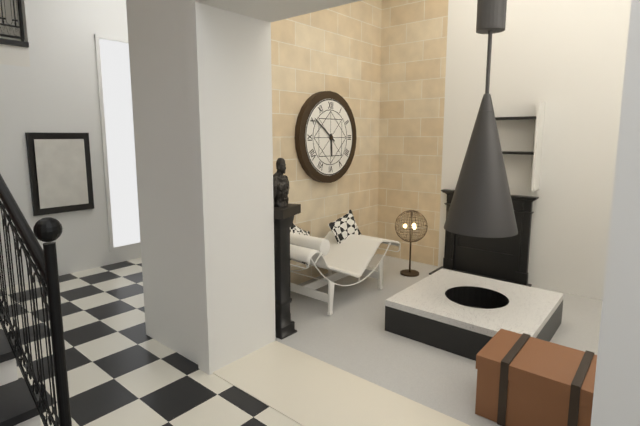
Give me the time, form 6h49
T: 5h51
